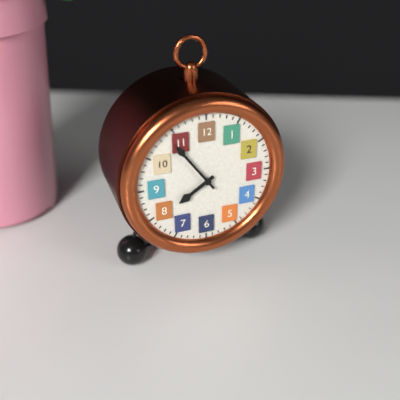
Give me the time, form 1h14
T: 7h54
